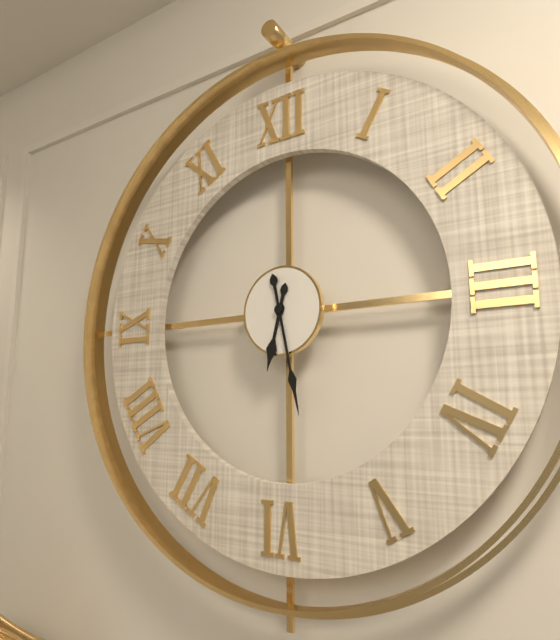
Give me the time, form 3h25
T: 6h28
